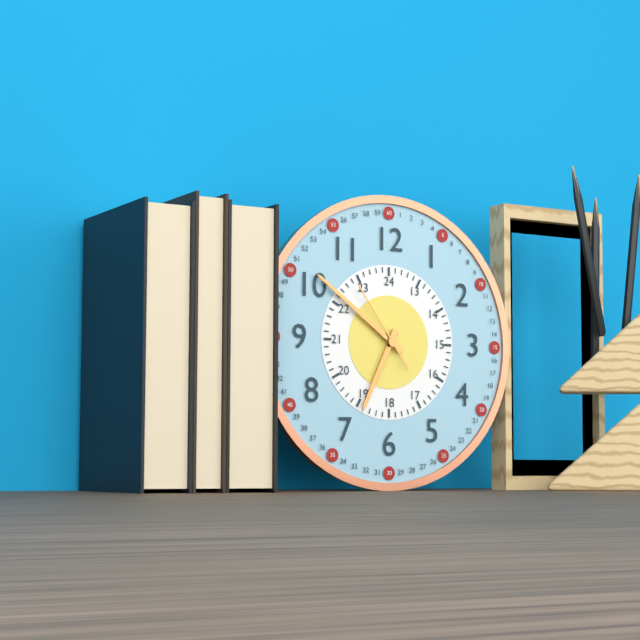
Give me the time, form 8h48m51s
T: 6h51m54s
